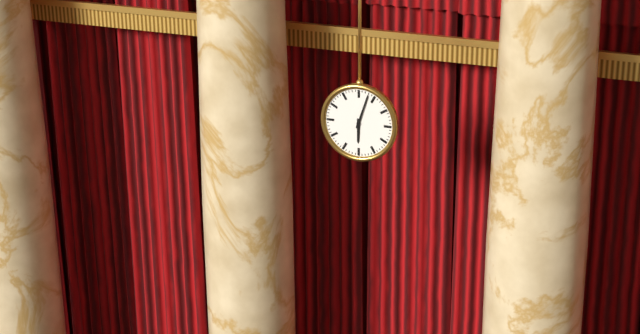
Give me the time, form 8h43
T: 6h03
